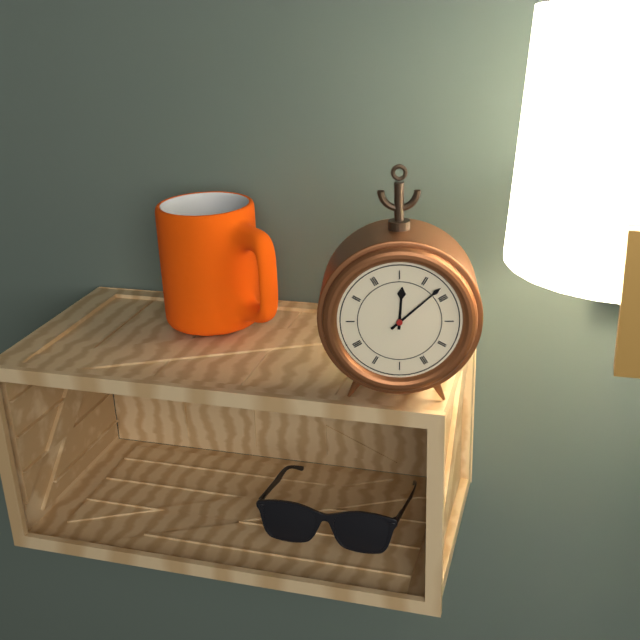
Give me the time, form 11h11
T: 12h08
